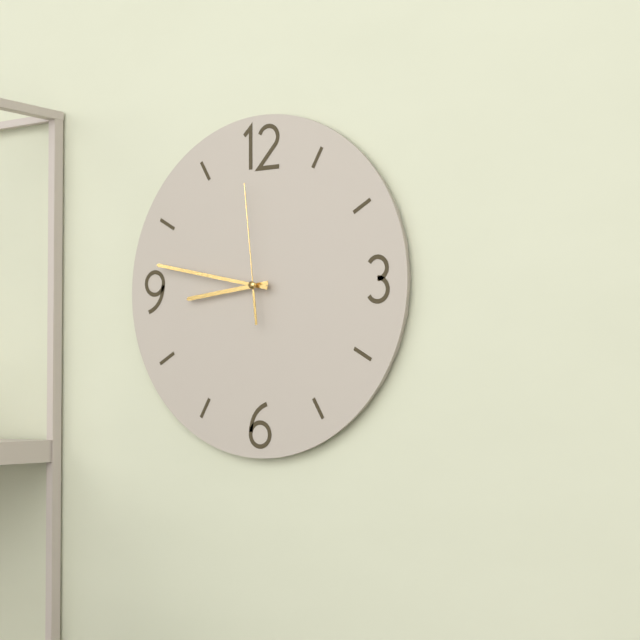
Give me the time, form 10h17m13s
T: 8h47m59s
